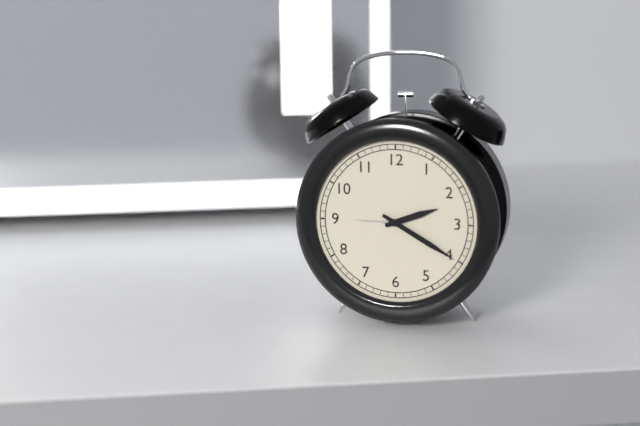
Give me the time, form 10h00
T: 2h20
